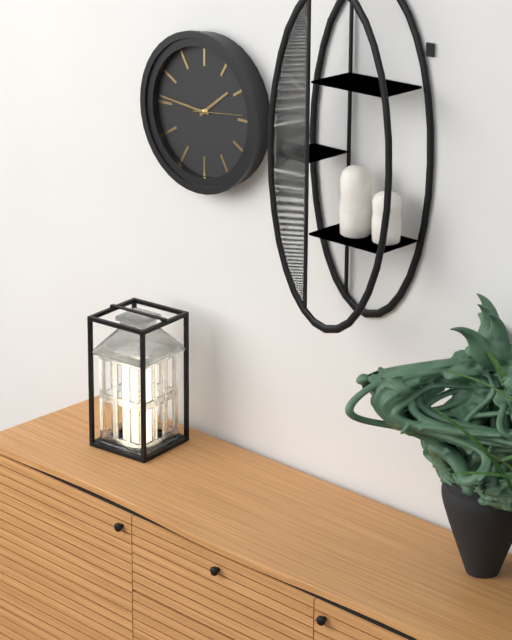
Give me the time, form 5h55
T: 1h46
